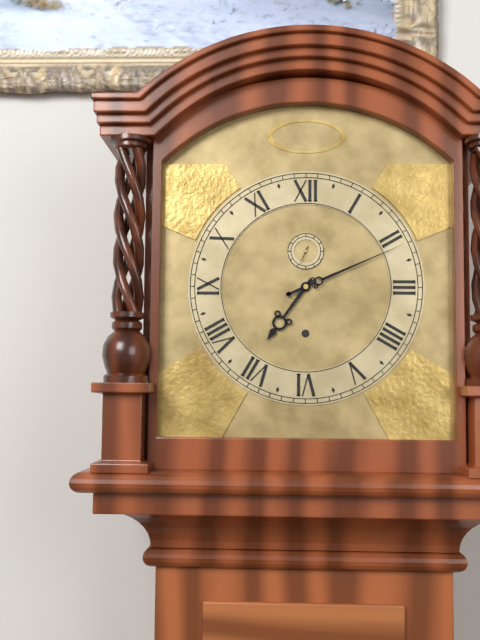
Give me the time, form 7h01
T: 7h11
